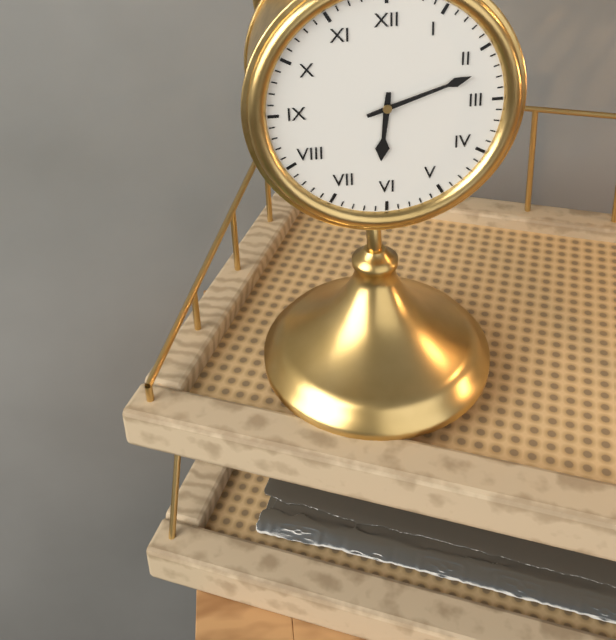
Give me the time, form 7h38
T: 6h12
